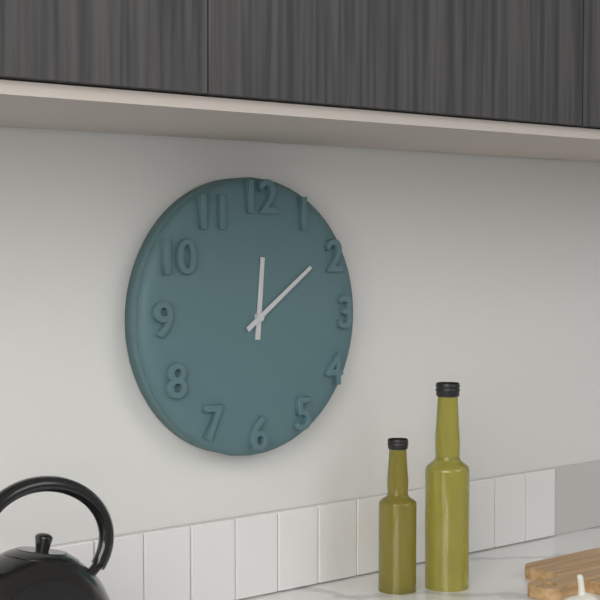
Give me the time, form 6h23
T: 12h09
